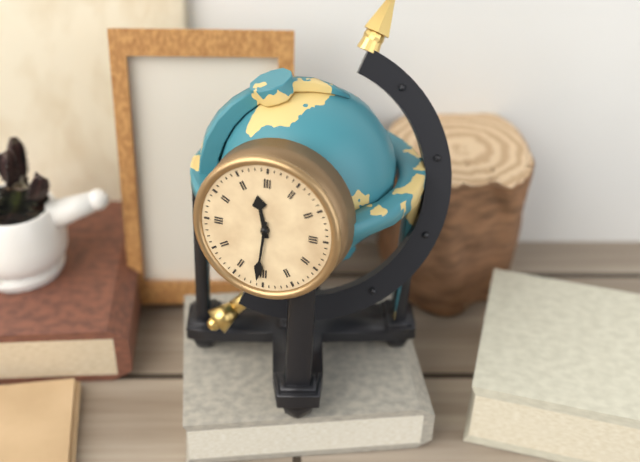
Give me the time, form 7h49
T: 11h31
